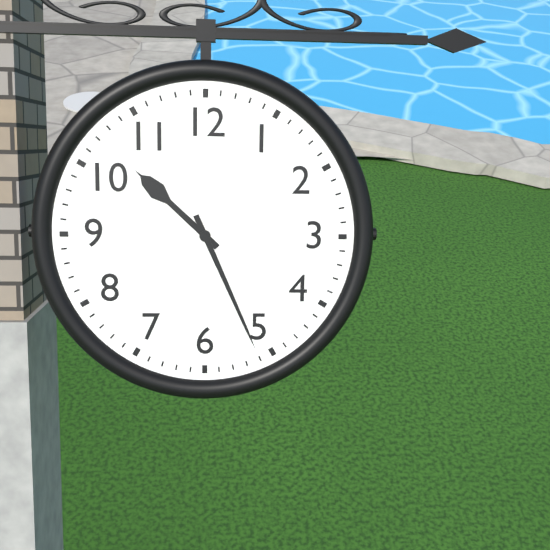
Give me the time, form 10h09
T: 10h26
